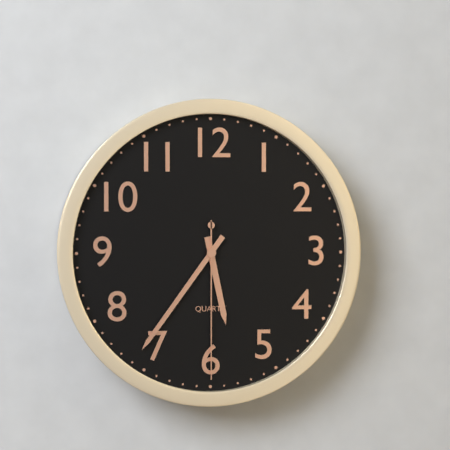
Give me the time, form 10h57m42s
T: 5h36m30s
